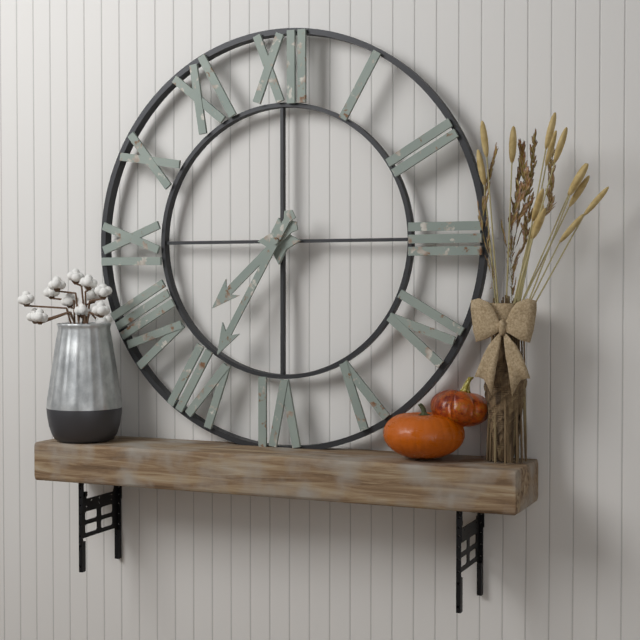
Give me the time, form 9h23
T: 7h35
